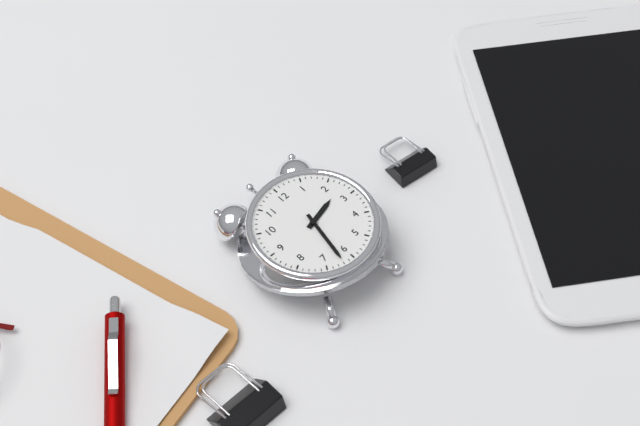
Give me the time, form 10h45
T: 2h32
